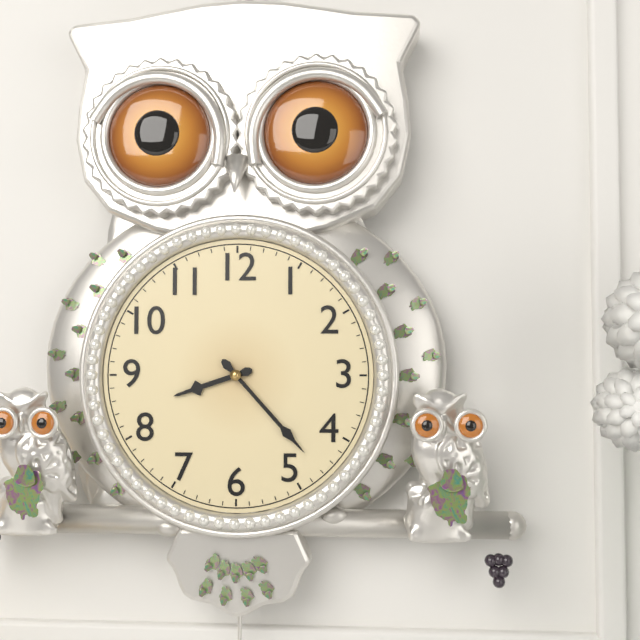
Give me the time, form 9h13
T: 8h23
